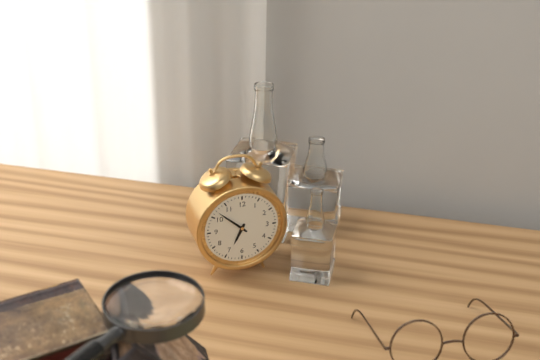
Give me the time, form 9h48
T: 6h52
